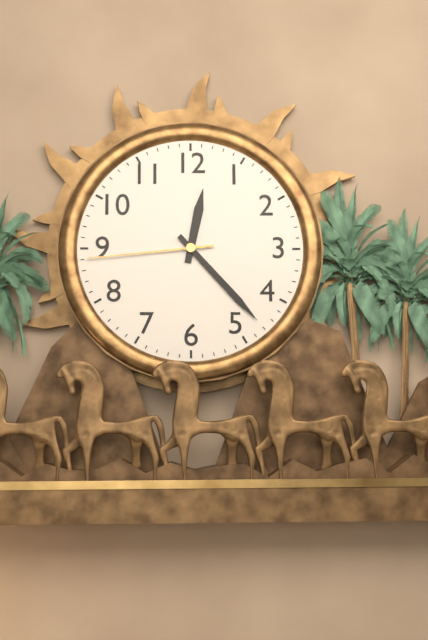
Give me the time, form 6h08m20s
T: 12h23m44s
